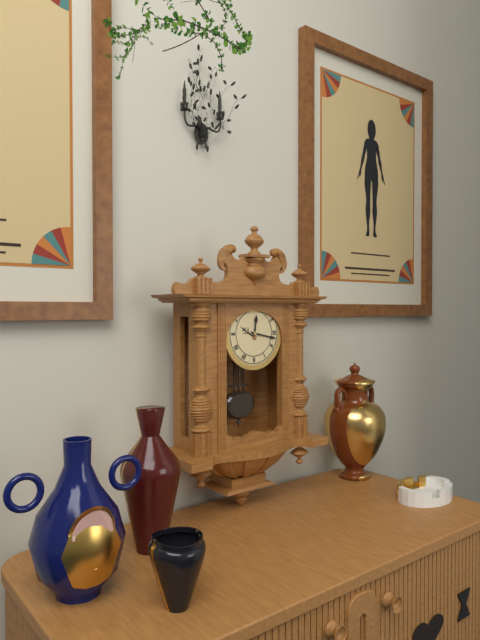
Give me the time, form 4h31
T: 12h17
